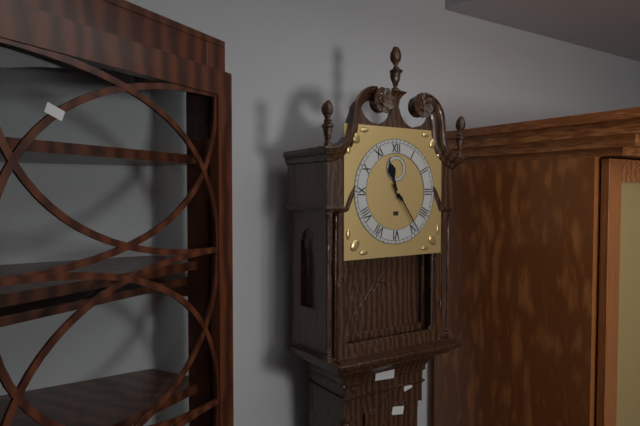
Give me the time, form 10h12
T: 11h24
